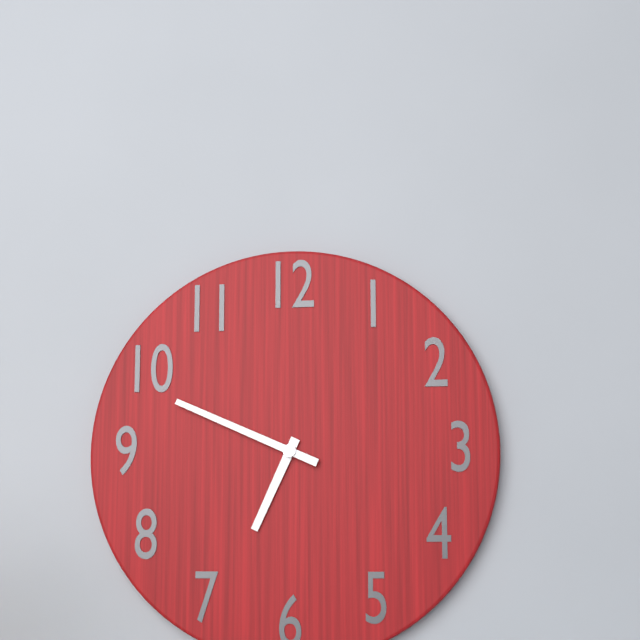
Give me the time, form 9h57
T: 6h49
